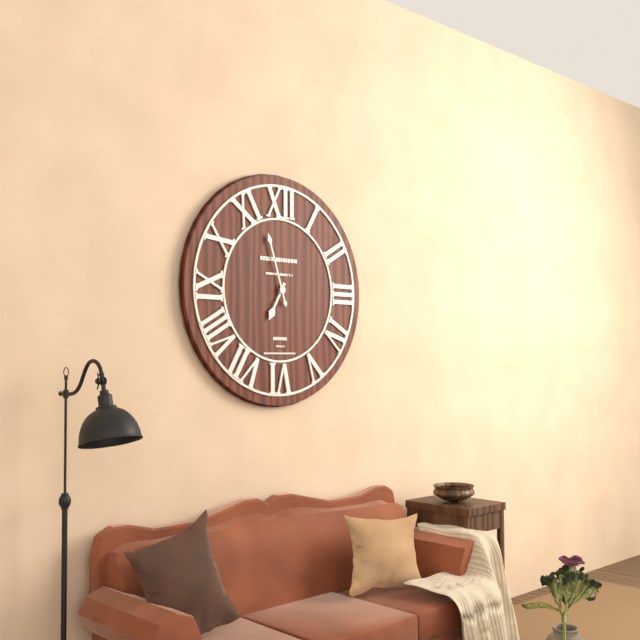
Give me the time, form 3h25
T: 6h57
